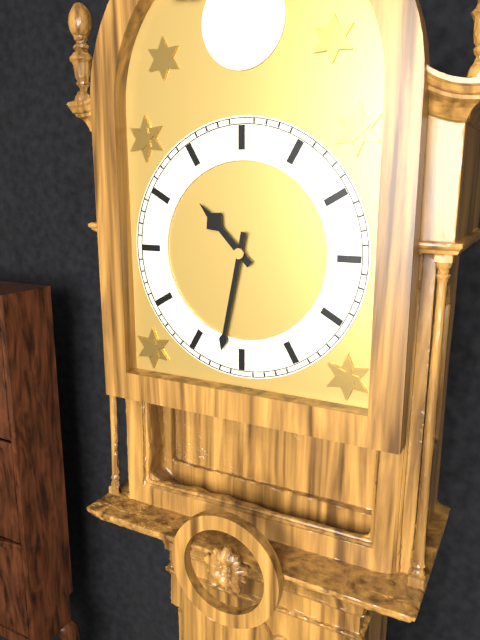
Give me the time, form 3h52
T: 10h32
